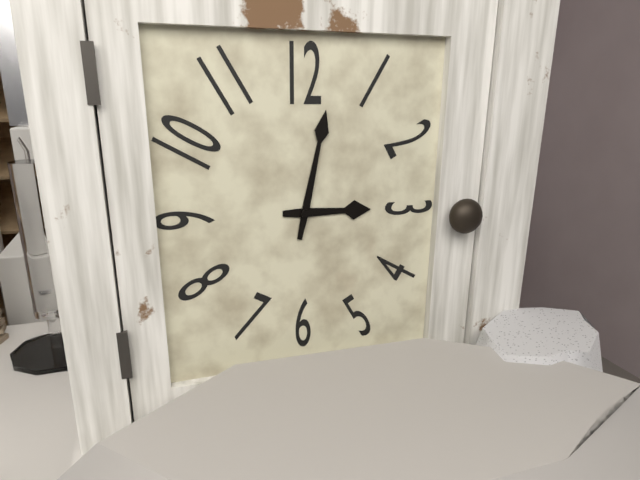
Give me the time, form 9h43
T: 3h02
